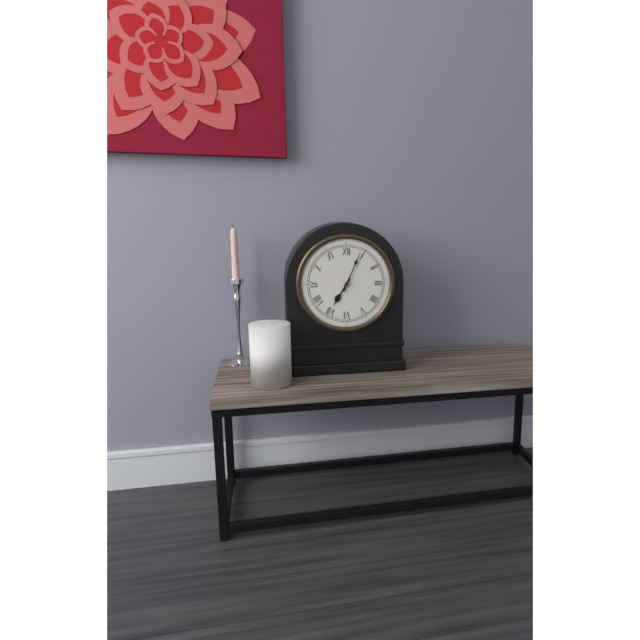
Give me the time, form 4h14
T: 7h04
